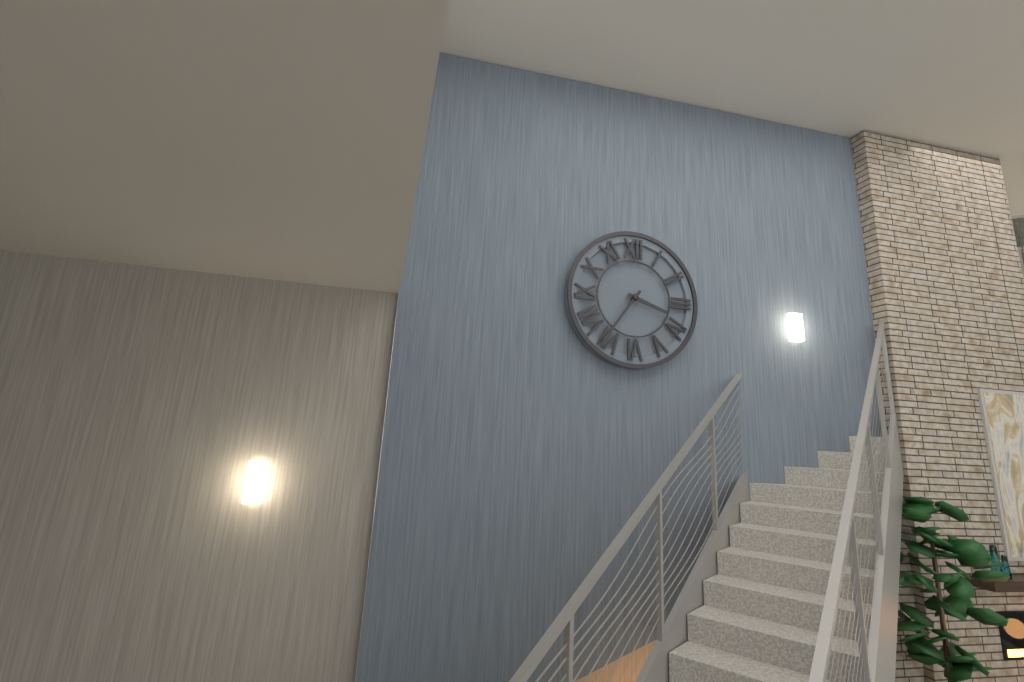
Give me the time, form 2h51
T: 3h36
